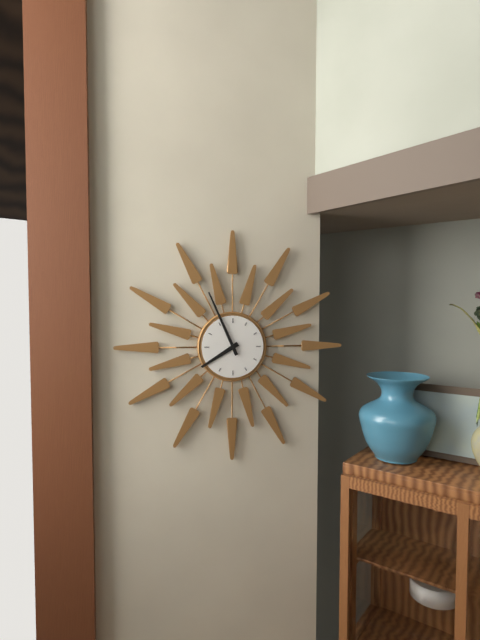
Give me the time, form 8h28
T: 7h56
